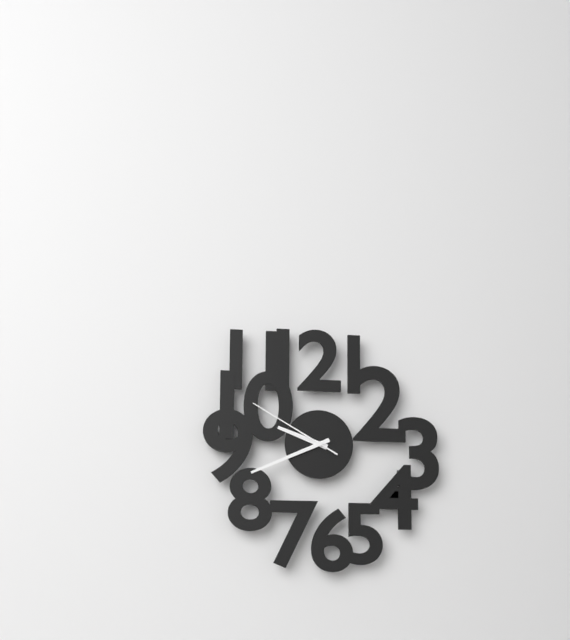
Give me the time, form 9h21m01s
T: 9h41m50s
